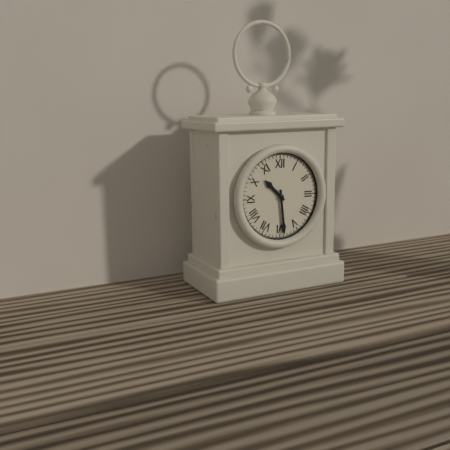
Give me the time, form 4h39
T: 10h29
